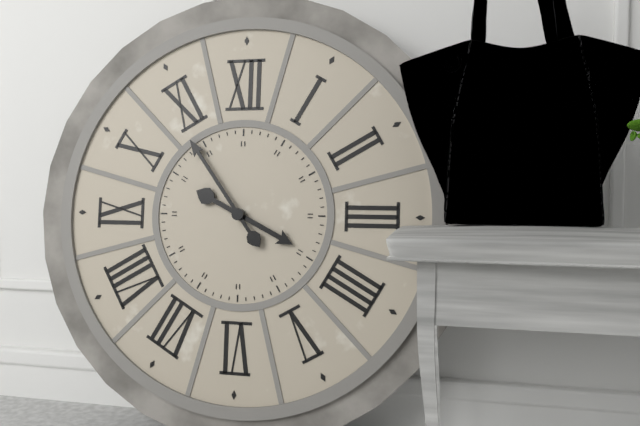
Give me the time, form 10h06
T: 3h54
